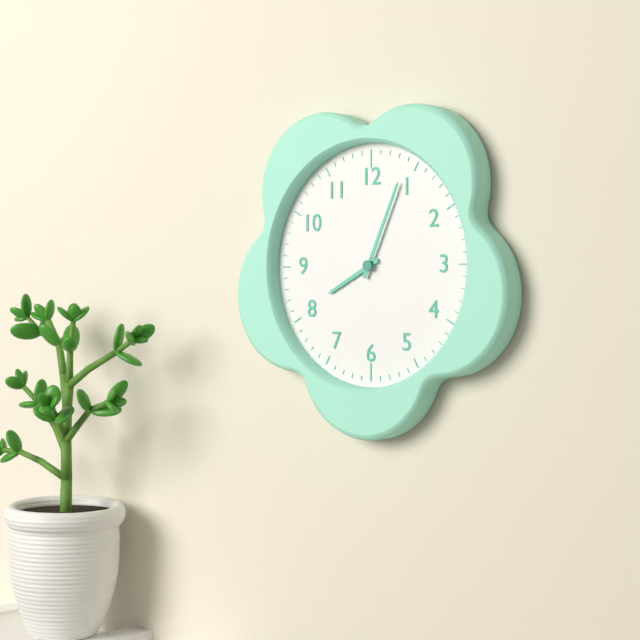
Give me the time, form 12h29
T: 8h04
